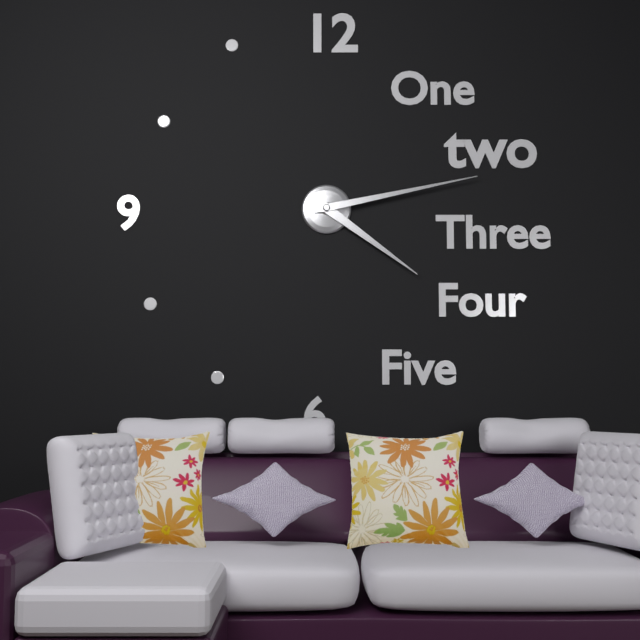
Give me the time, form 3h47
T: 4h13
